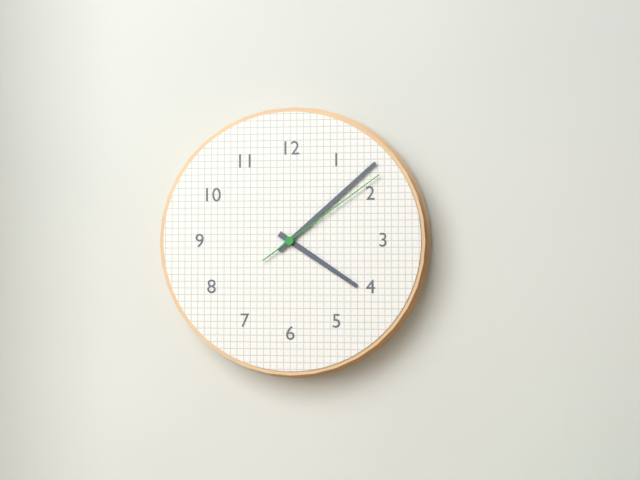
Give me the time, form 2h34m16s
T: 4h08m09s
